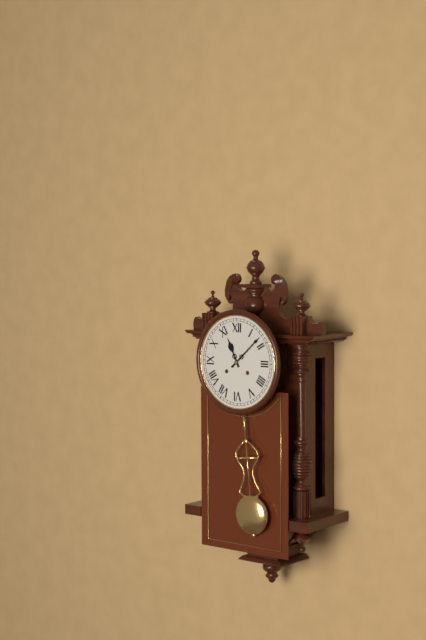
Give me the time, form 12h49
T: 11h08
